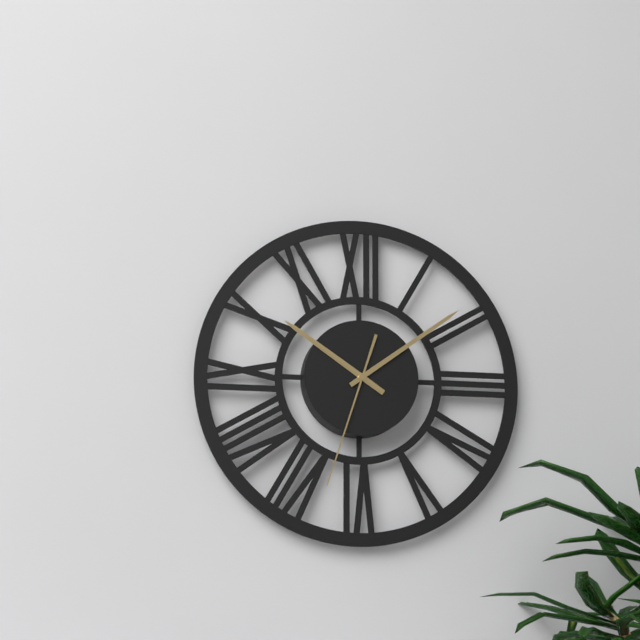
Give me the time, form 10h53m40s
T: 10h09m33s
